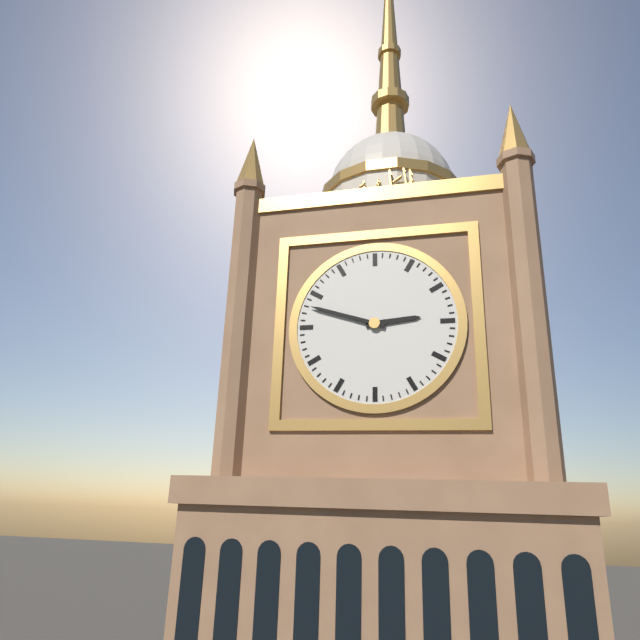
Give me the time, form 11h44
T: 2h48
